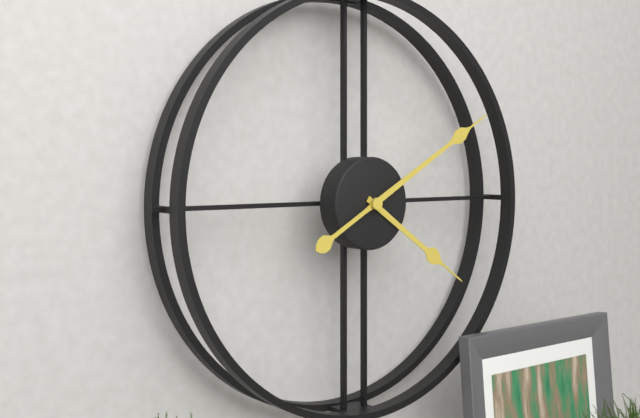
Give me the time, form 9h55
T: 4h10
